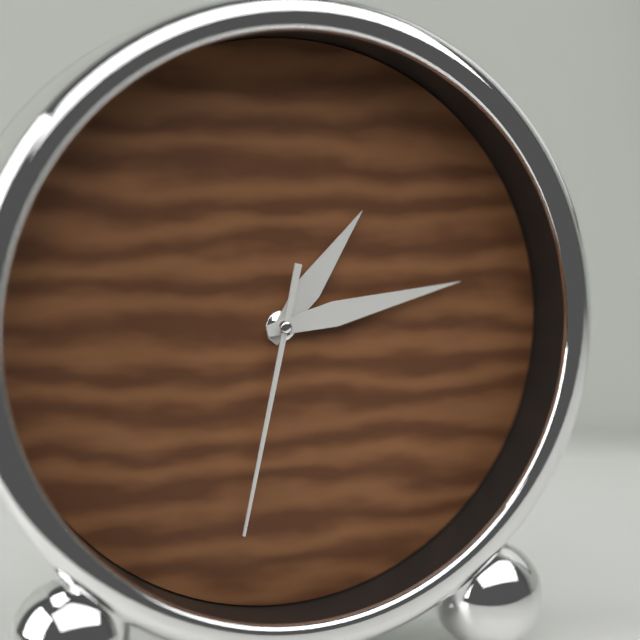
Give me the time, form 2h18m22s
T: 1h13m32s
